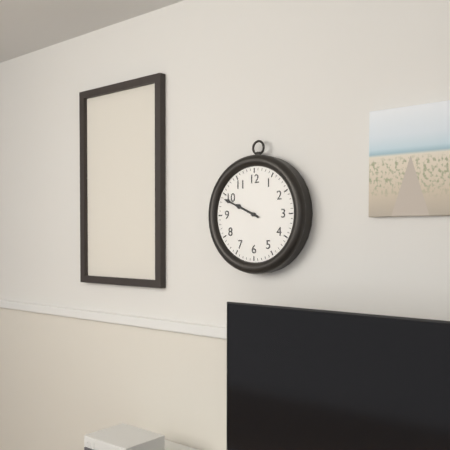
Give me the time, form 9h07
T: 9h49
